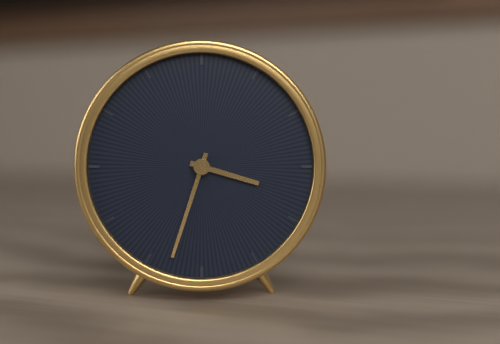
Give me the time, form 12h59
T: 3h33
